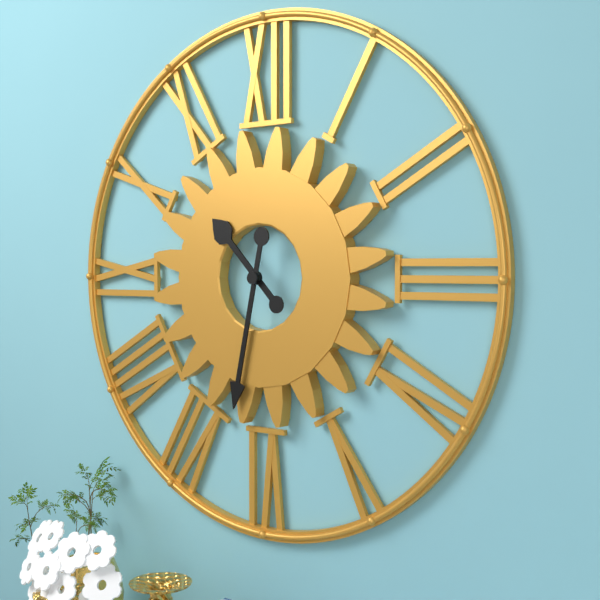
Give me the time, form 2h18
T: 10h32
